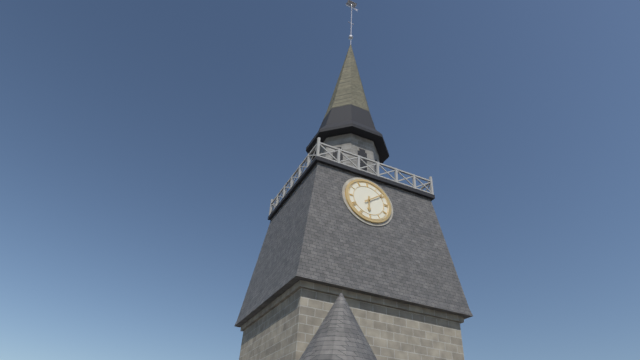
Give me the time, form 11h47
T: 6h09
